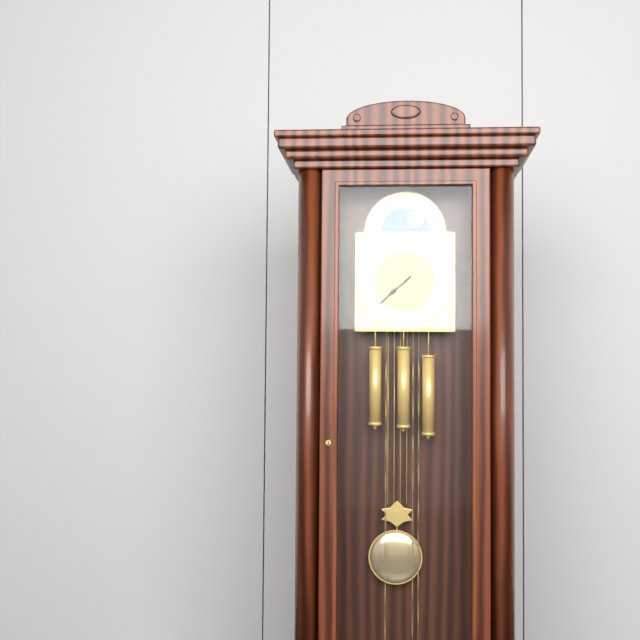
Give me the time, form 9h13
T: 7h38
